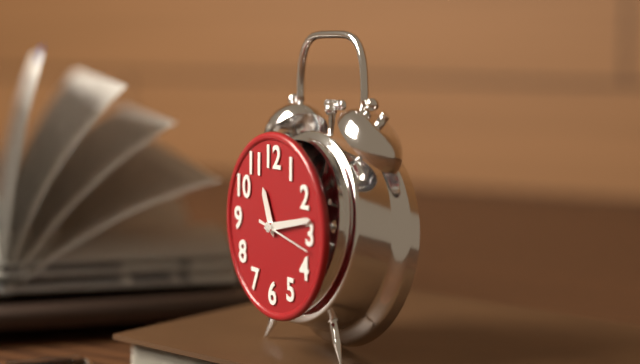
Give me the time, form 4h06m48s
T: 11h13m17s
